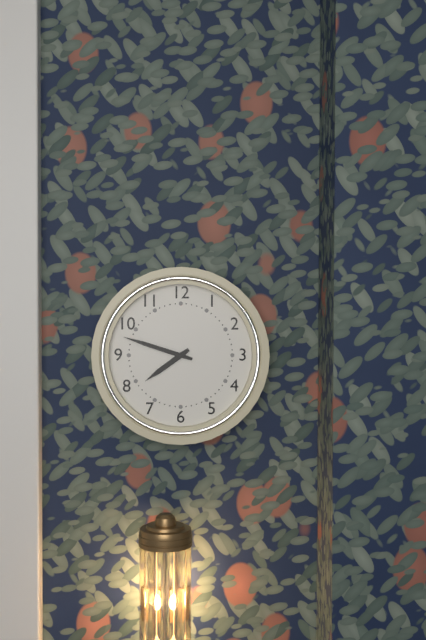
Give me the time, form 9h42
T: 7h48
